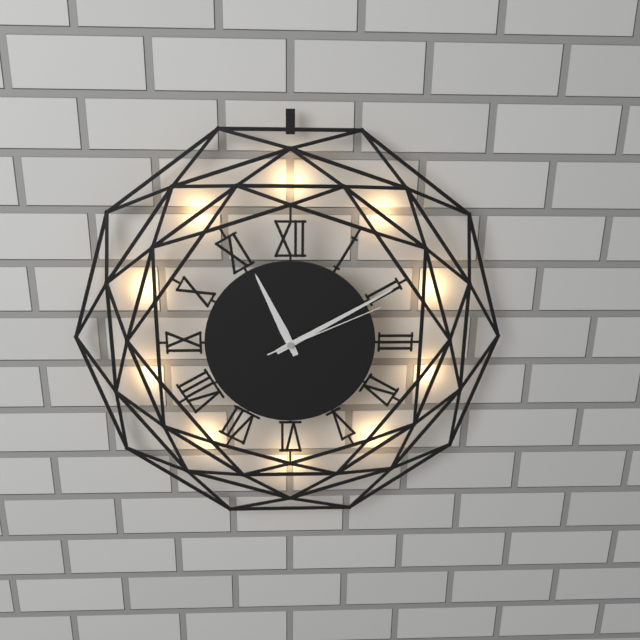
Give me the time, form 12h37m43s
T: 11h10m11s
